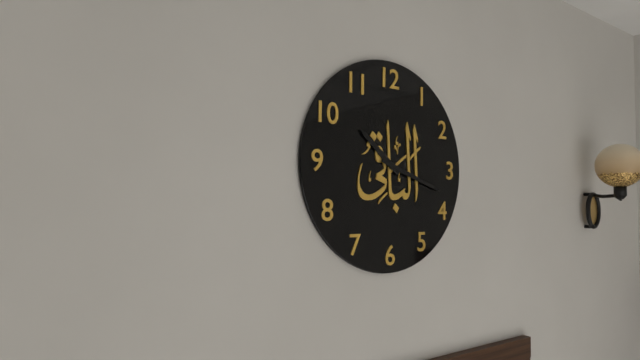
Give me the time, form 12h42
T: 10h18
